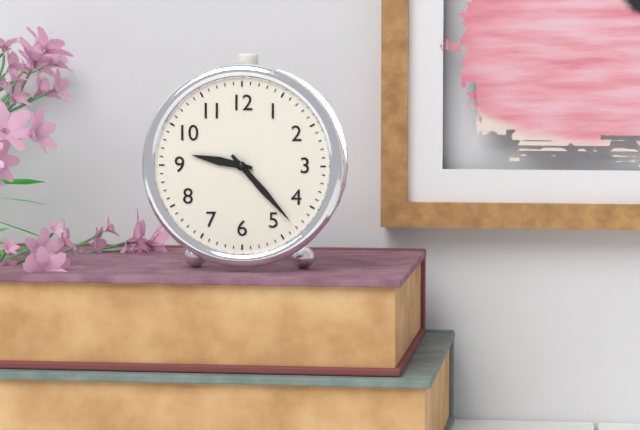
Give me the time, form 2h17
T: 9h23
